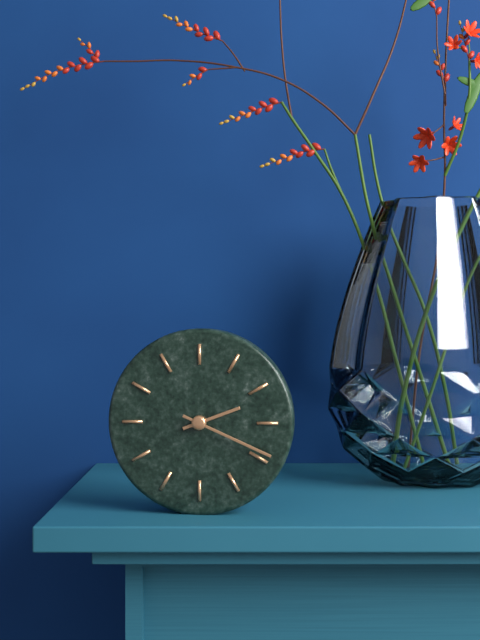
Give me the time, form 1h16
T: 2h19
